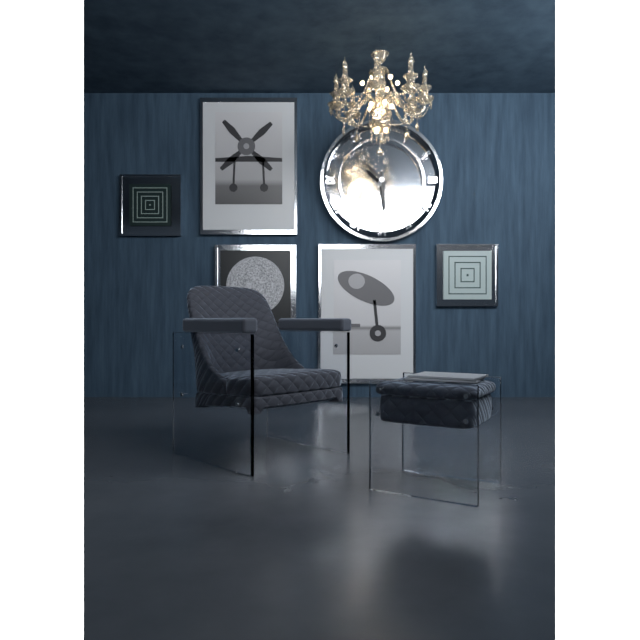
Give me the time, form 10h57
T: 10h29
